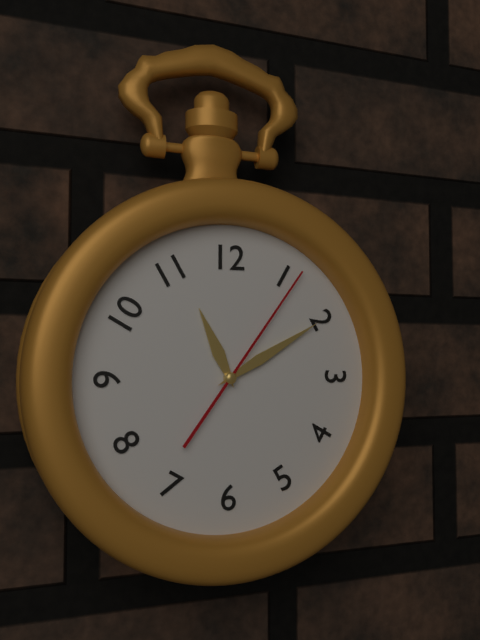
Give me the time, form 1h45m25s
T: 11h10m06s
